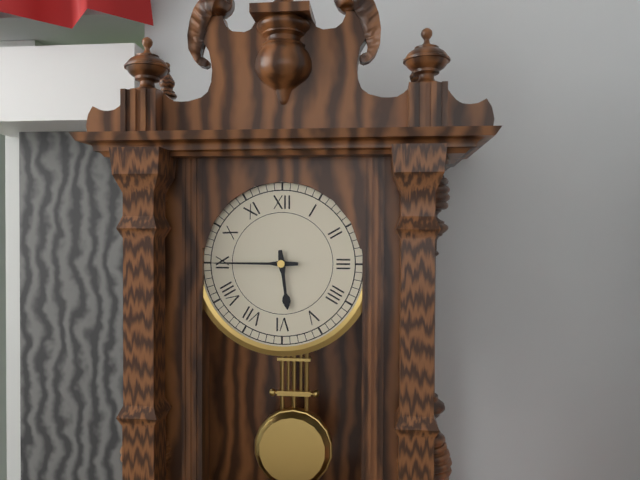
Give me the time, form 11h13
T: 5h45
